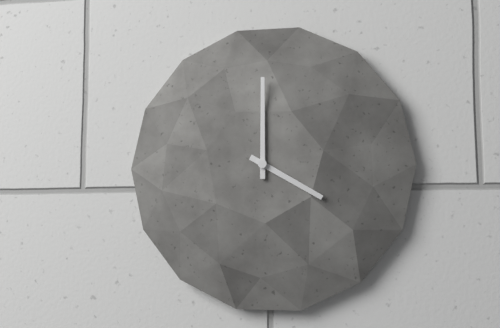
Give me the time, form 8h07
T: 4h00
